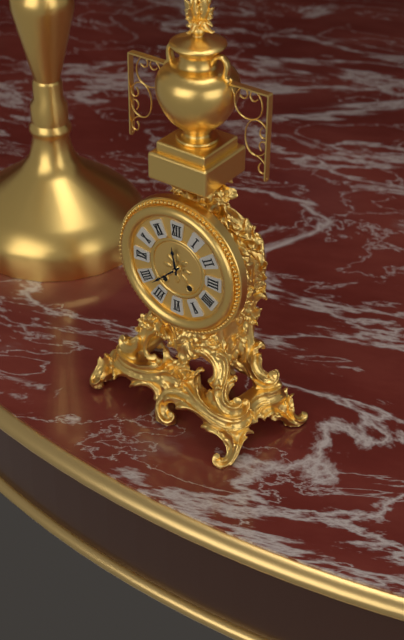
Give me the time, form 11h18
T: 11h38
